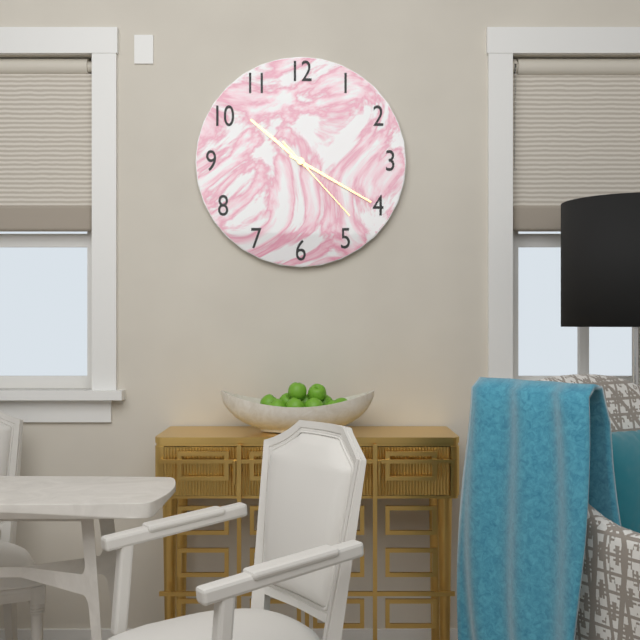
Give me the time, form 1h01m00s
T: 10h20m23s
